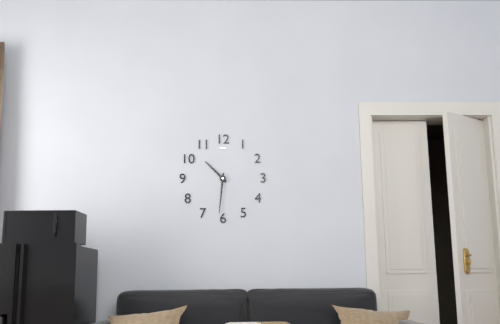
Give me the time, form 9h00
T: 10h31
